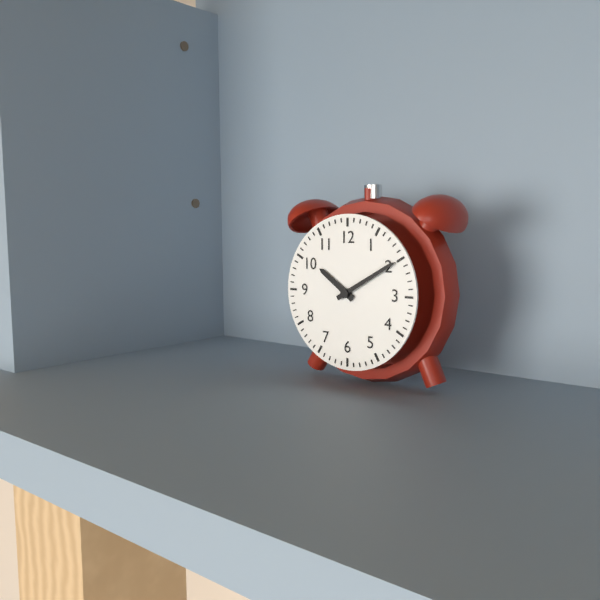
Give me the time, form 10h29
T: 10h10
